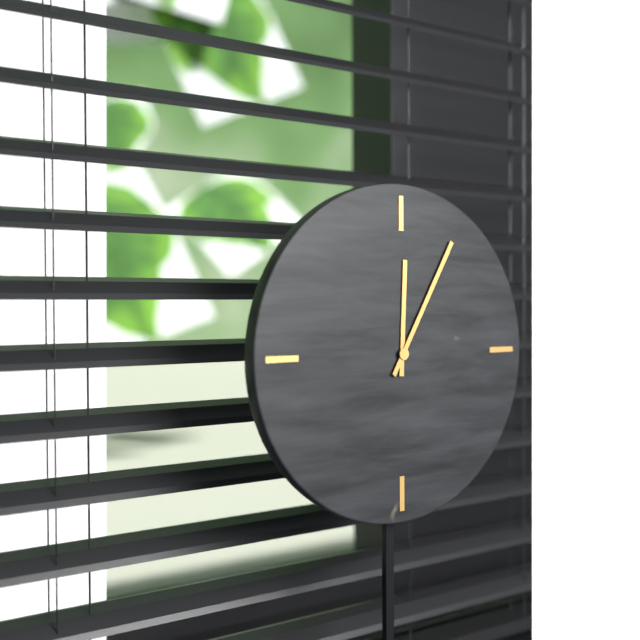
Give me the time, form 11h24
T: 12h05
